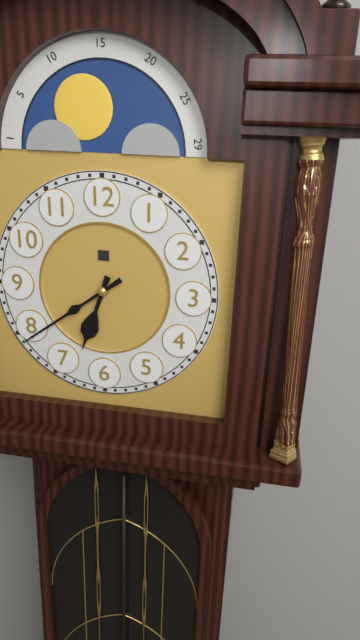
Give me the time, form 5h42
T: 6h39
